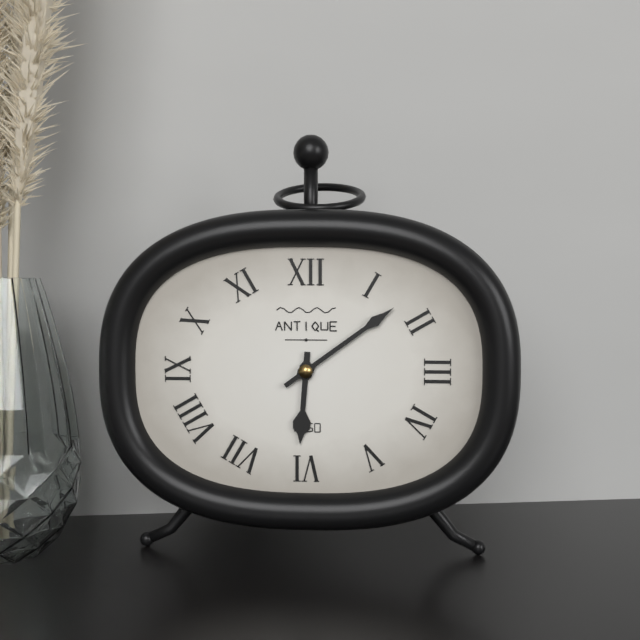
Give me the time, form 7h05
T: 6h09
